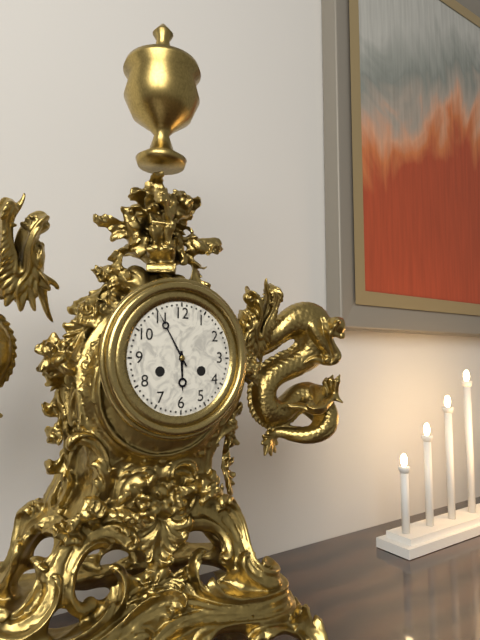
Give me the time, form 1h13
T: 5h55
